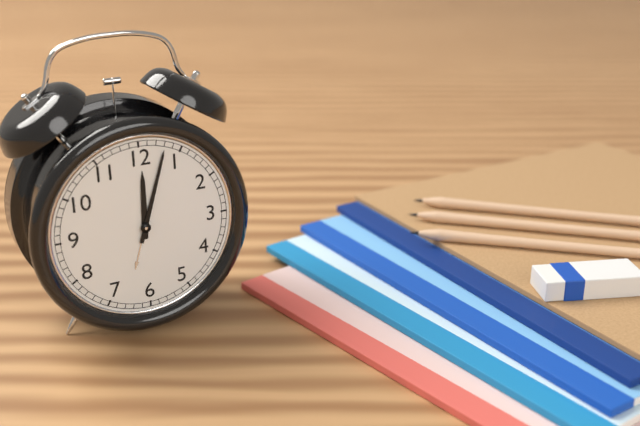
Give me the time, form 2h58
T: 12h03
